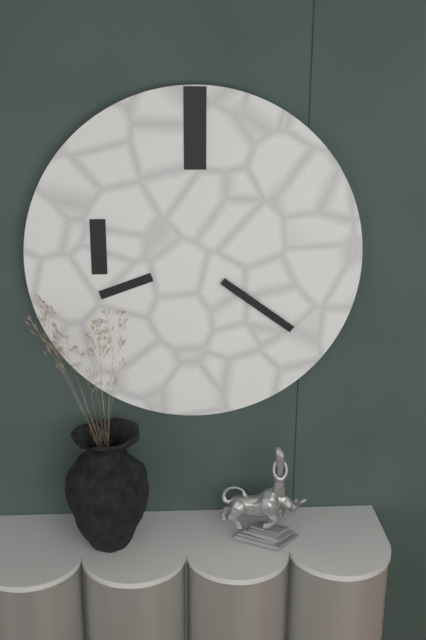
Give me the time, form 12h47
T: 8h21
